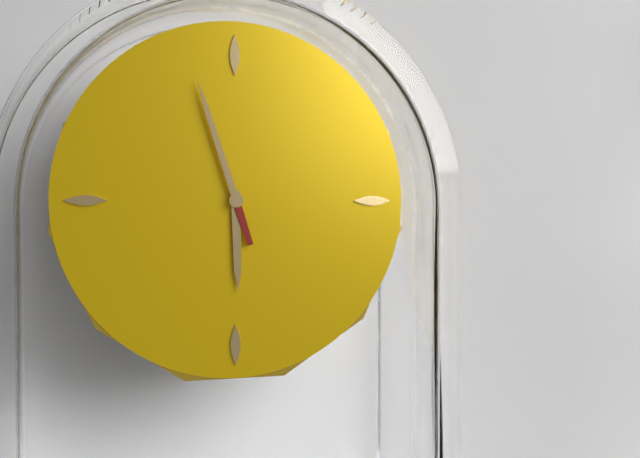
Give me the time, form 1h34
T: 5h57
